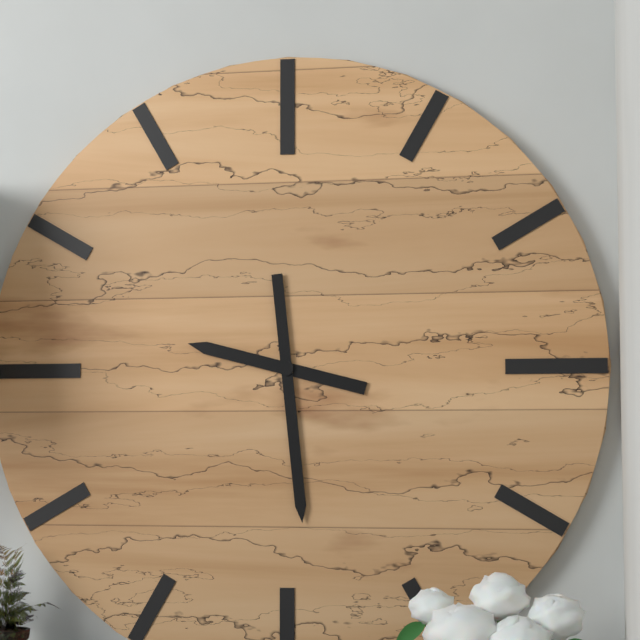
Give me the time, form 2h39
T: 9h29
